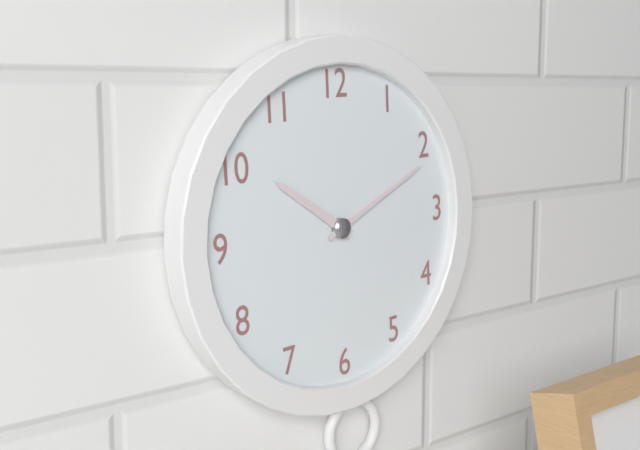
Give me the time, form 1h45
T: 10h11
